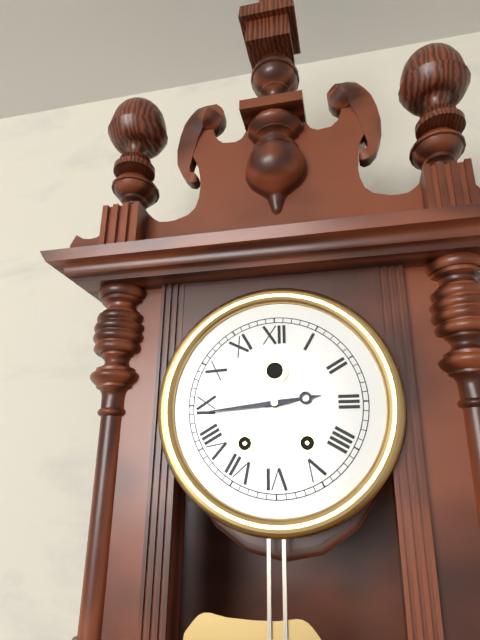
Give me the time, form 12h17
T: 2h44
